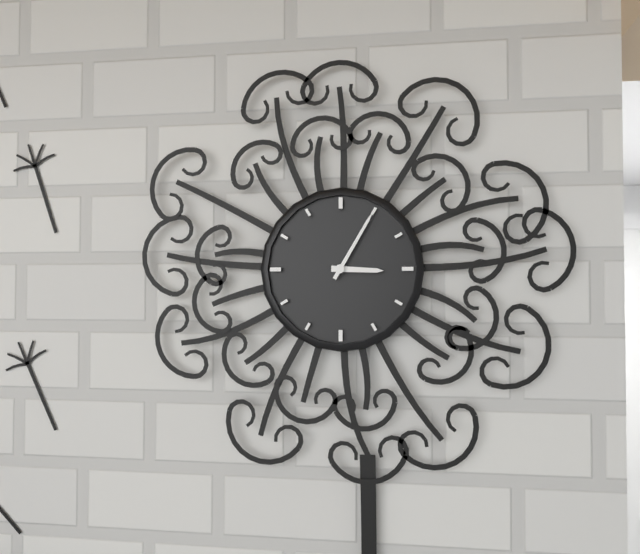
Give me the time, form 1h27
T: 3h05
